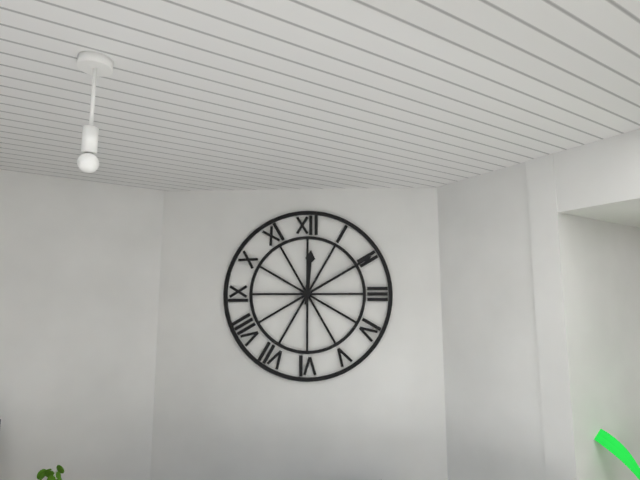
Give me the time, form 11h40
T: 12h10
